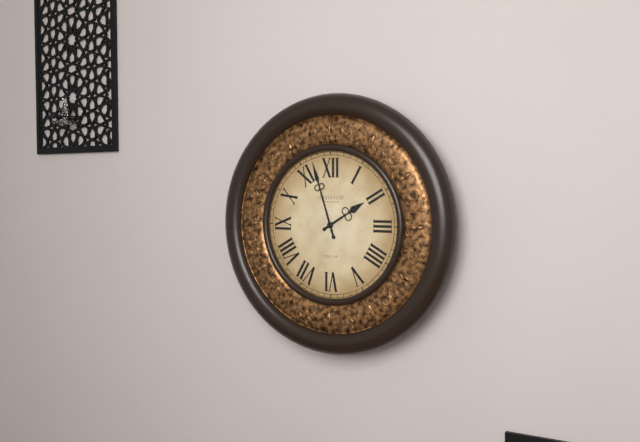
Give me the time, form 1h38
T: 1h57
